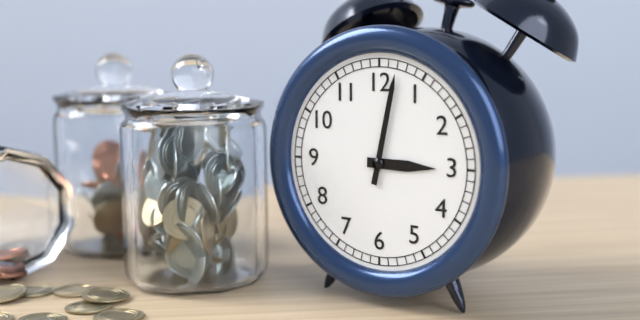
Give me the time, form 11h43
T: 3h02
